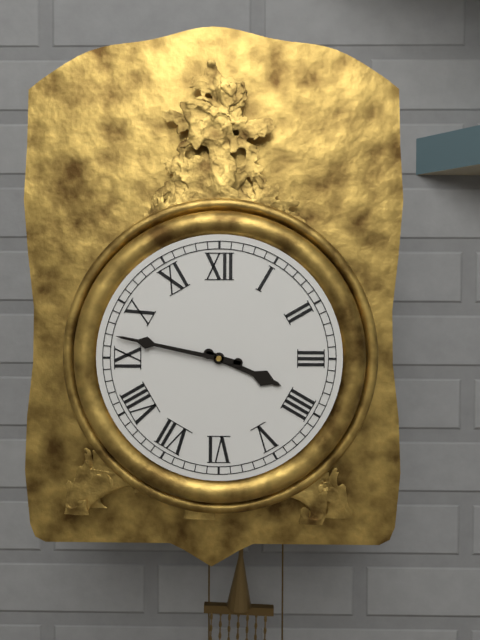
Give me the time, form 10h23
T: 3h47
